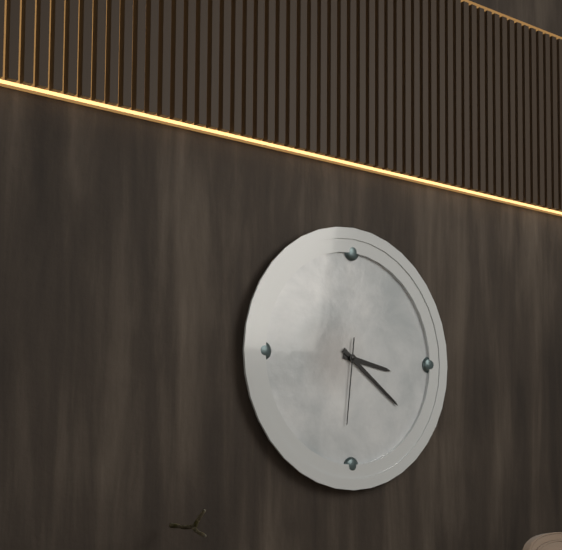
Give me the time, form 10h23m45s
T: 3h21m31s
